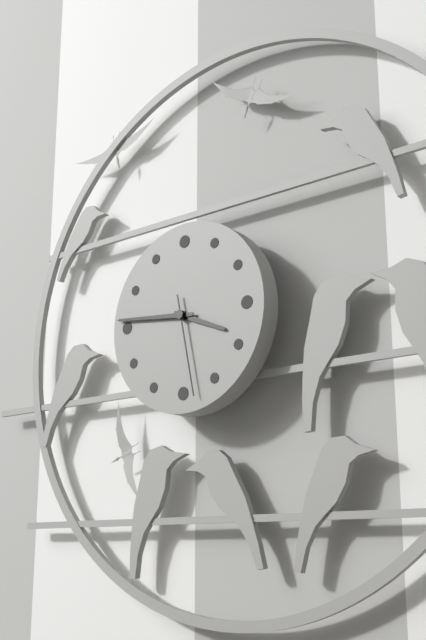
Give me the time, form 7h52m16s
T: 3h46m28s
